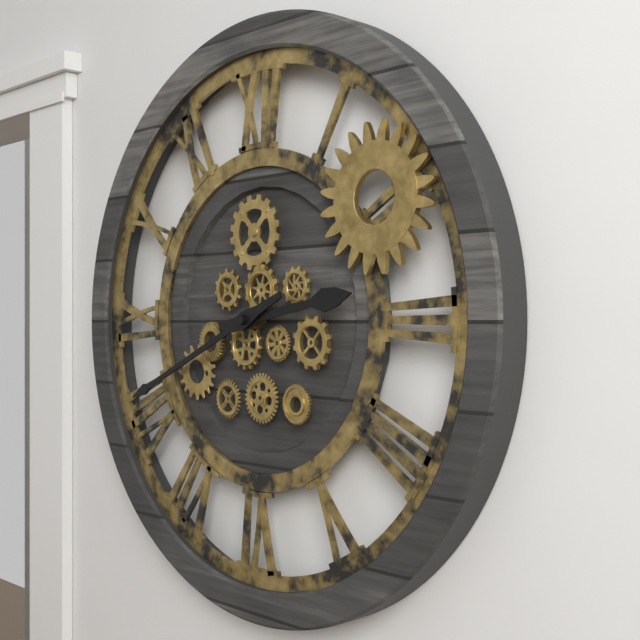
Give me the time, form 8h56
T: 2h41
